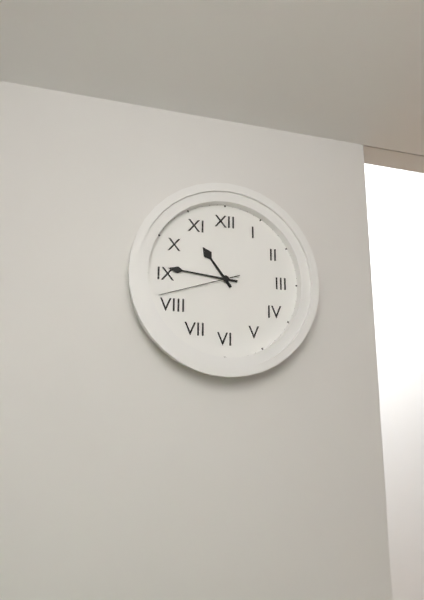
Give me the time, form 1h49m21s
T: 10h46m42s
